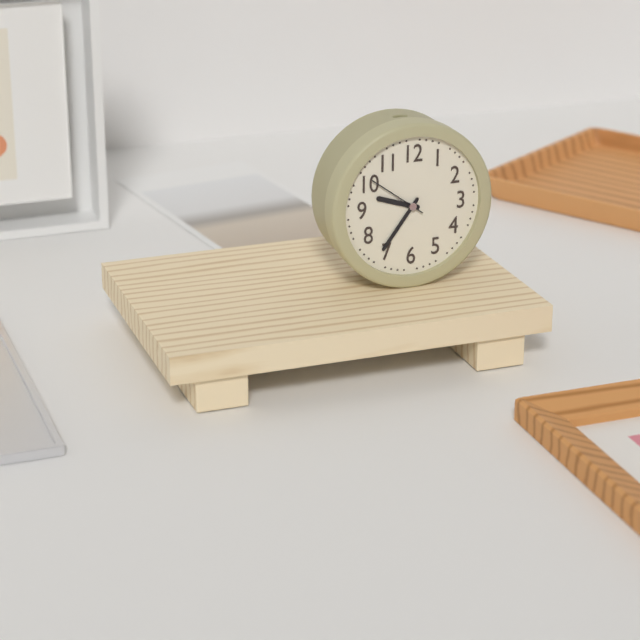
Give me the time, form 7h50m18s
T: 9h36m51s
